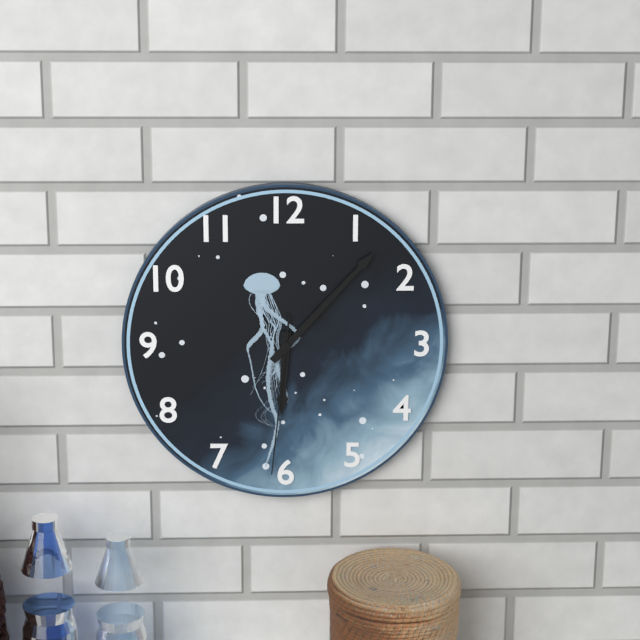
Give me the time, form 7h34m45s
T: 6h07m31s
